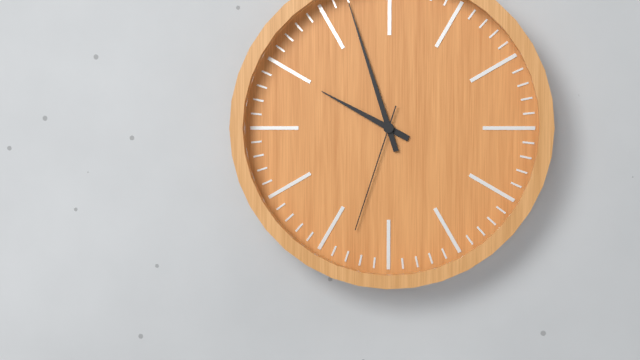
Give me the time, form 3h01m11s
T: 9h57m33s
